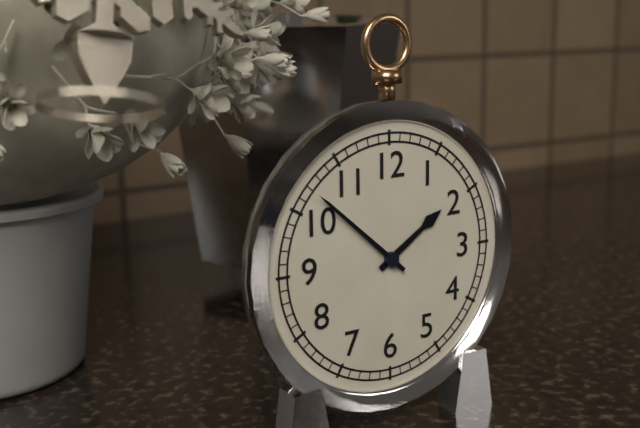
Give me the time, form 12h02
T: 1h52
